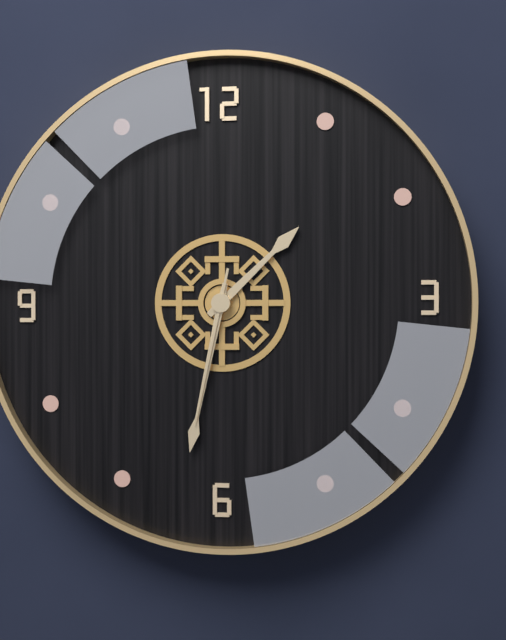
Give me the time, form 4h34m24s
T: 1h32m32s
